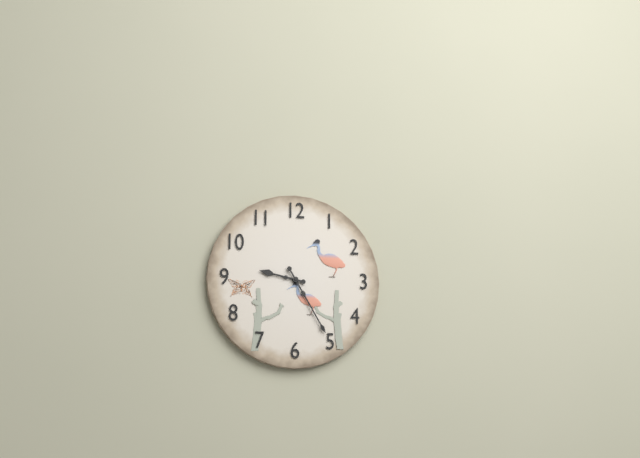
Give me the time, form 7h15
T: 9h25
